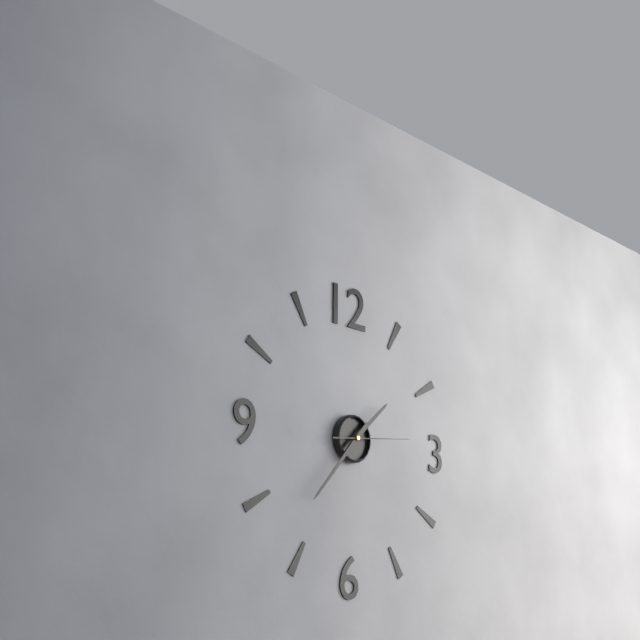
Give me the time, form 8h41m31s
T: 1h37m14s
